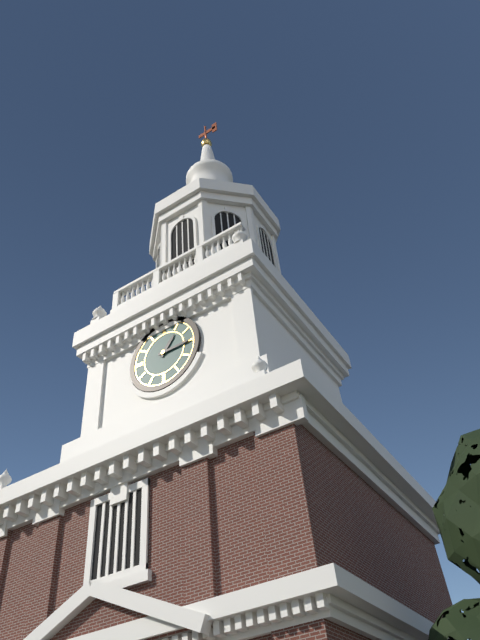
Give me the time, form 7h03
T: 1h15
